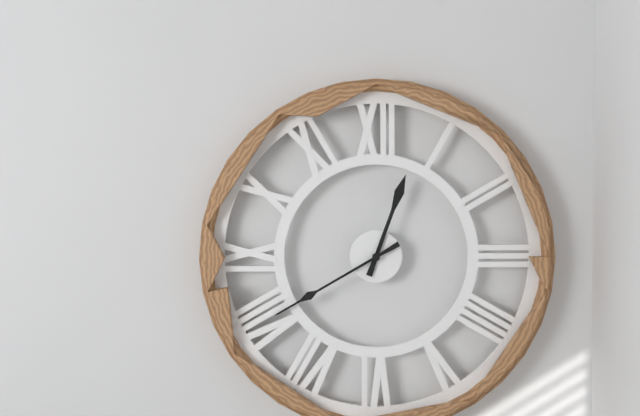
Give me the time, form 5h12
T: 12h40
